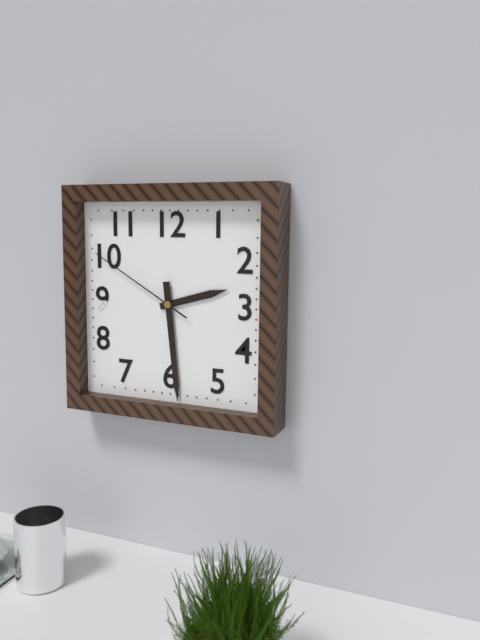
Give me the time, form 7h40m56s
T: 2h29m50s
